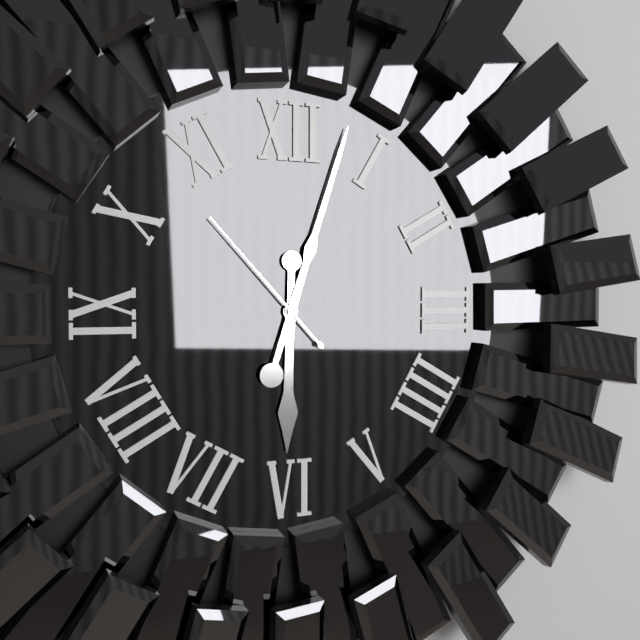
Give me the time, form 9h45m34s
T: 6h03m53s
